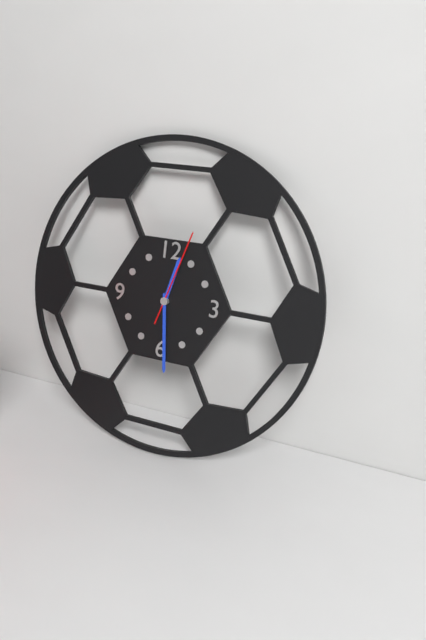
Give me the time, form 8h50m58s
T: 12h29m03s
